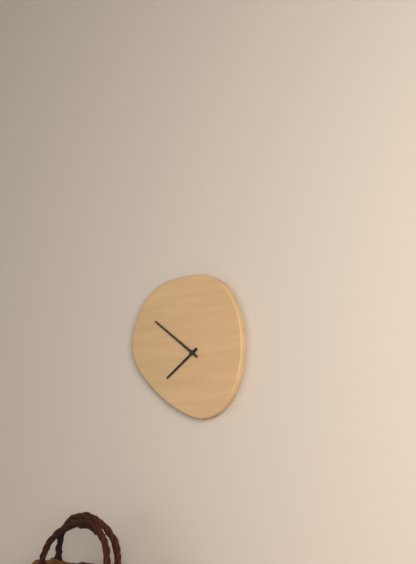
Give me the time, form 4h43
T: 7h51
